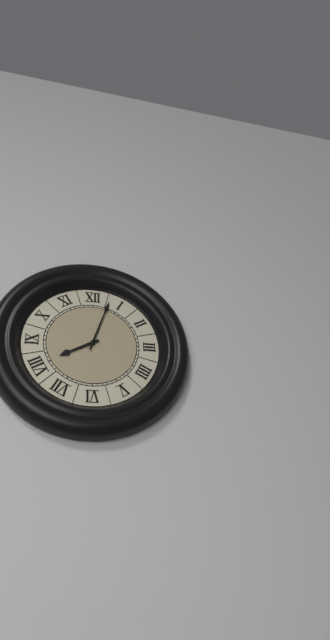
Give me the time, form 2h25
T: 8h03
